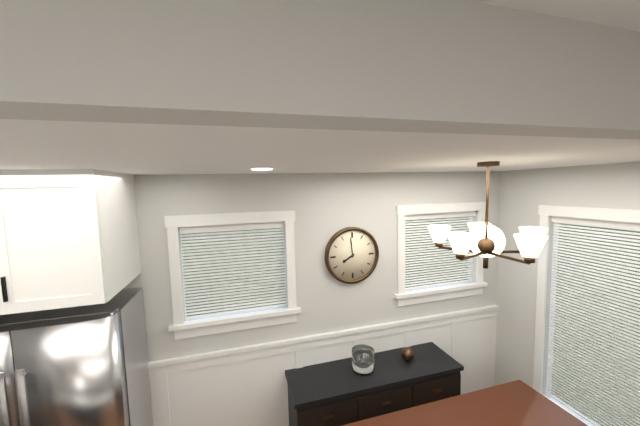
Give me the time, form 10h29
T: 7h59
